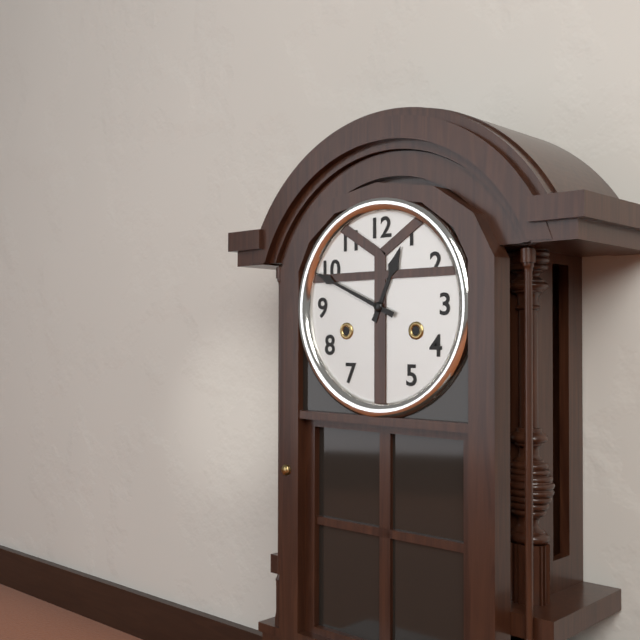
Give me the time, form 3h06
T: 12h49
